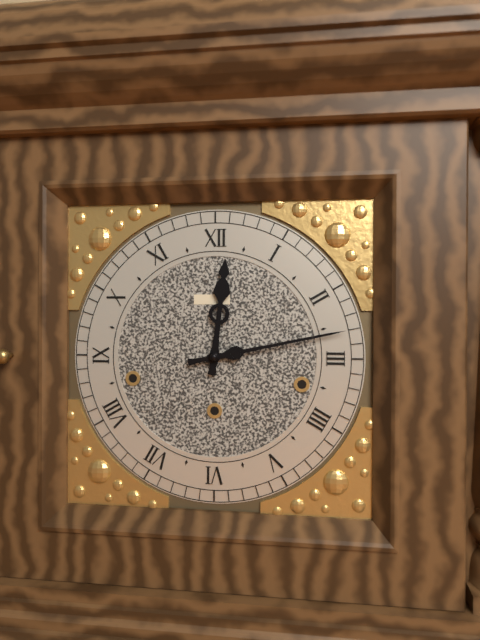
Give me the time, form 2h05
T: 12h13
